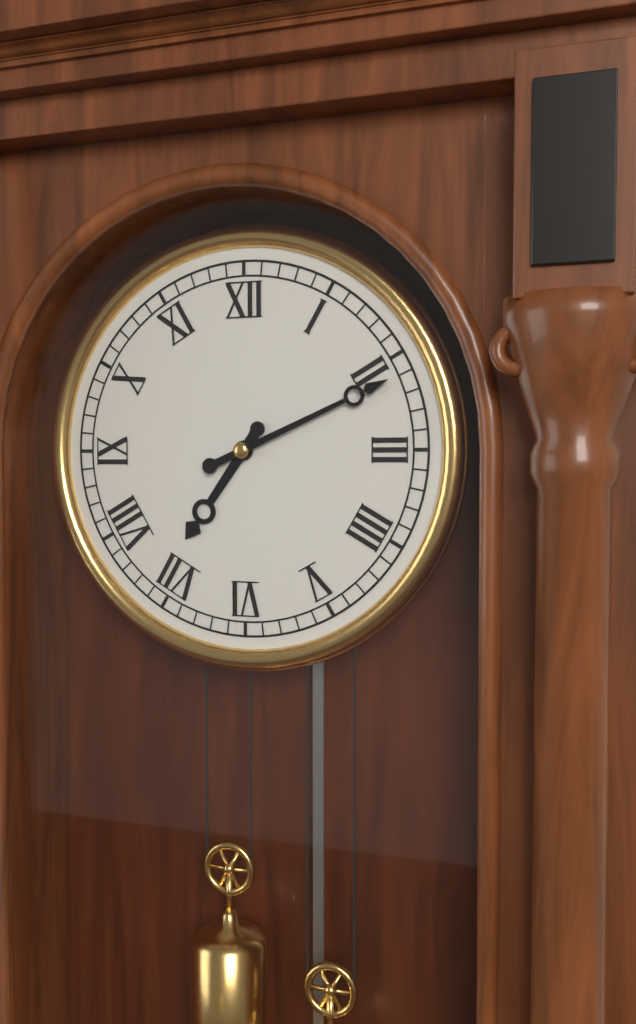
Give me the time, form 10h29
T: 7h11
